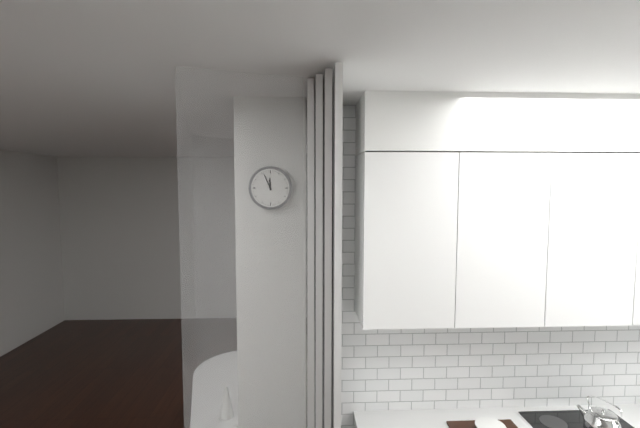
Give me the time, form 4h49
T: 11h56
